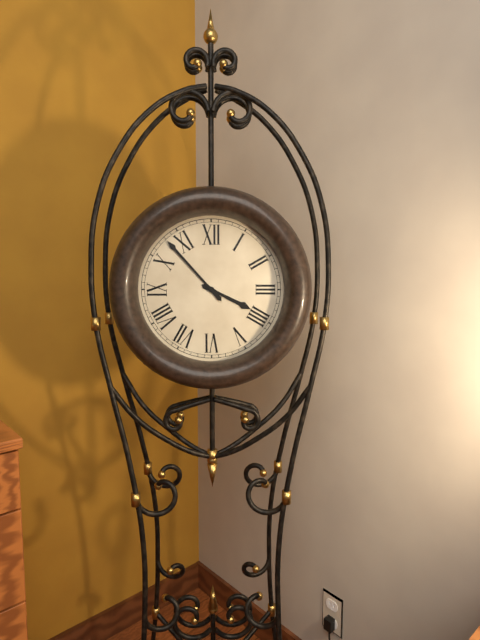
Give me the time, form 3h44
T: 3h53
